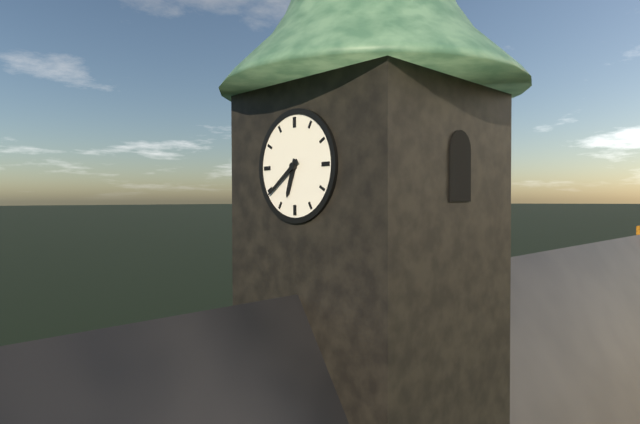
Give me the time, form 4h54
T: 6h39
